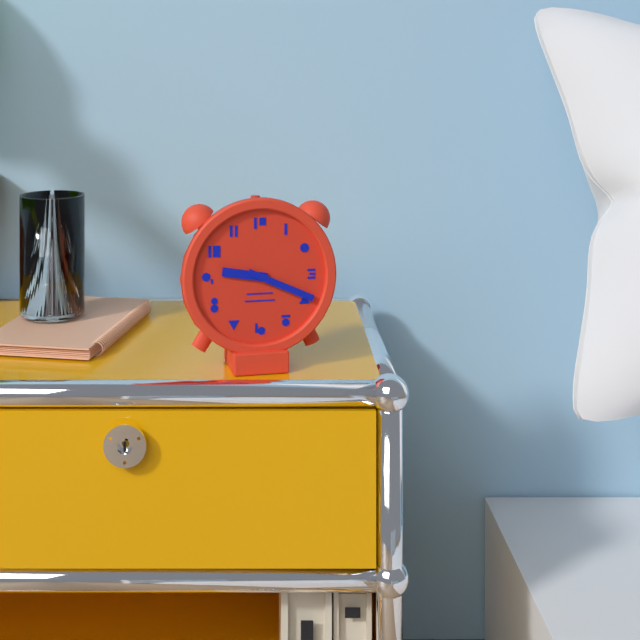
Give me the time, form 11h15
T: 9h19
